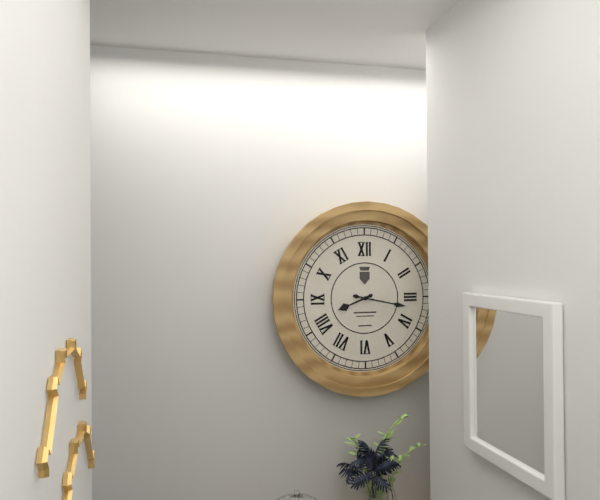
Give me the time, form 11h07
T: 8h17
